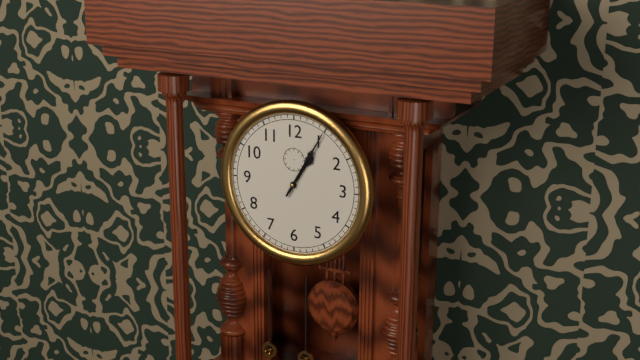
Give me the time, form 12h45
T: 1h05
